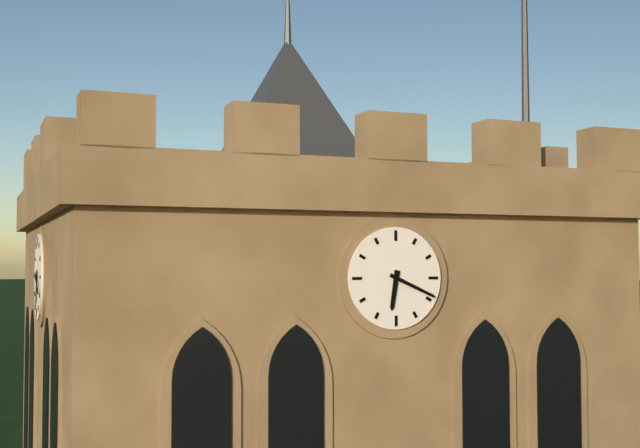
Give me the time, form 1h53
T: 6h19
